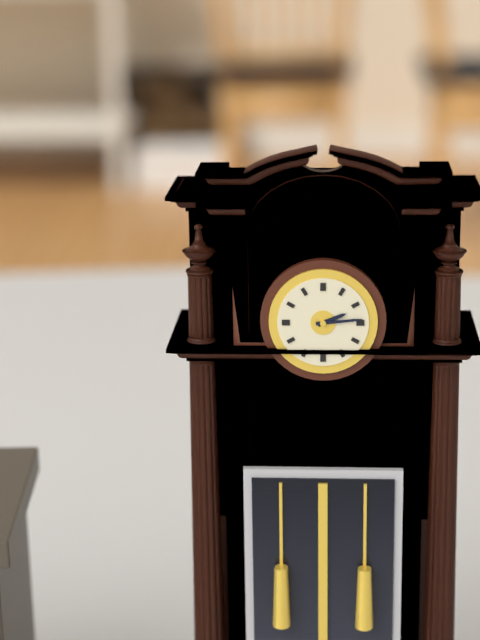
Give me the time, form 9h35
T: 2h14
